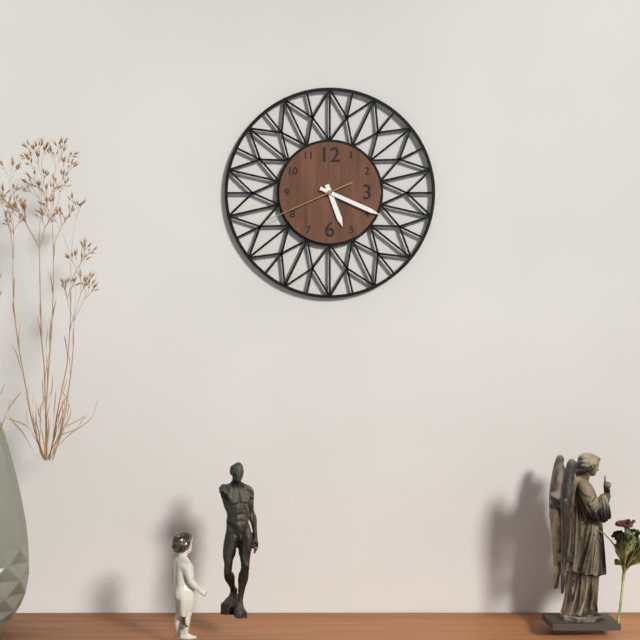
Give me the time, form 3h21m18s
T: 5h19m41s
